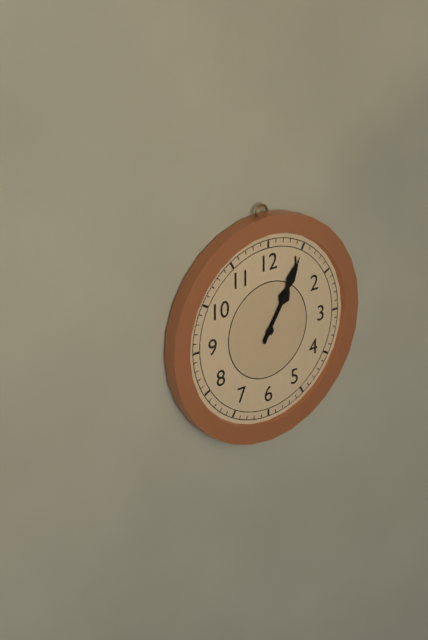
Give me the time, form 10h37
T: 1h05
